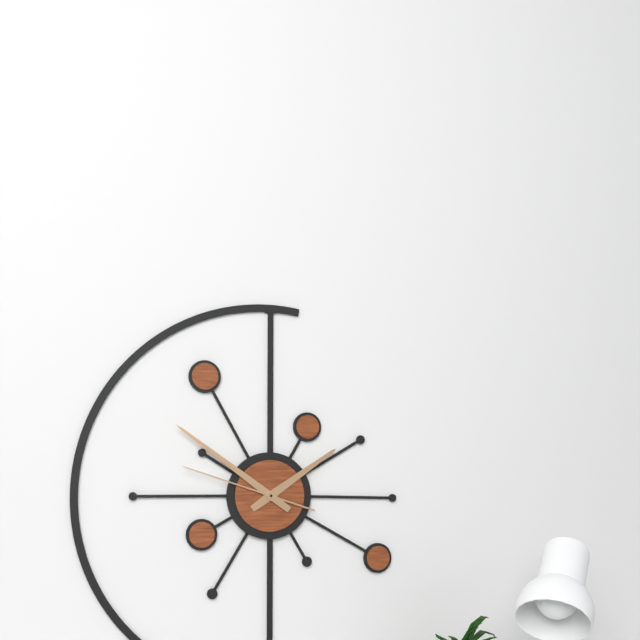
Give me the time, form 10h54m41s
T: 1h51m48s
